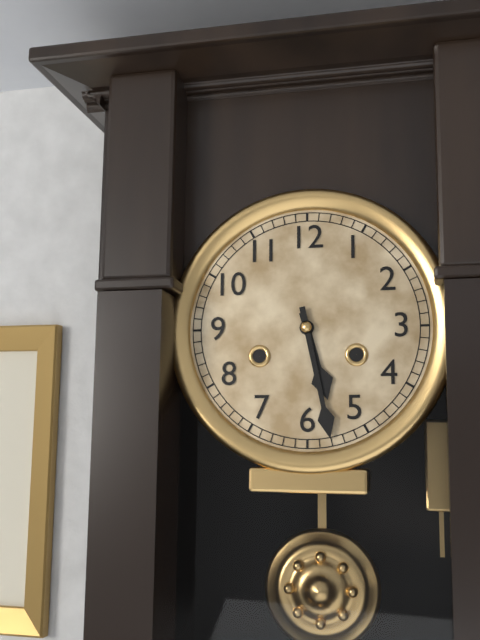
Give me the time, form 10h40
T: 5h28
